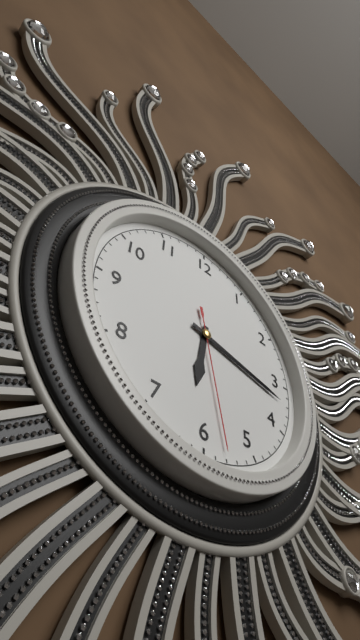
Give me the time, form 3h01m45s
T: 6h17m28s
